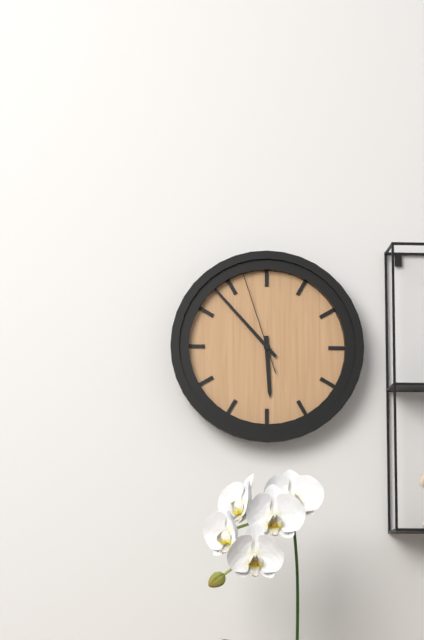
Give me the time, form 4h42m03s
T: 5h53m57s
